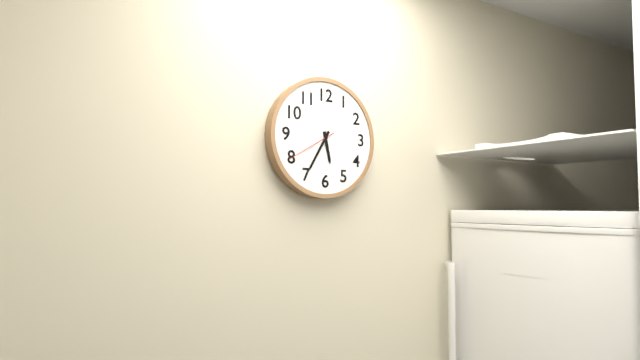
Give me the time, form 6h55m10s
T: 5h35m40s
